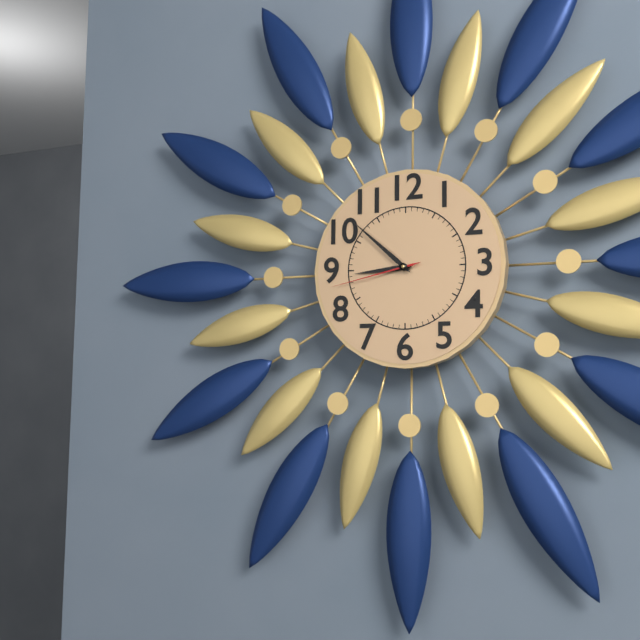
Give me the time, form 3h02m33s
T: 8h52m43s
